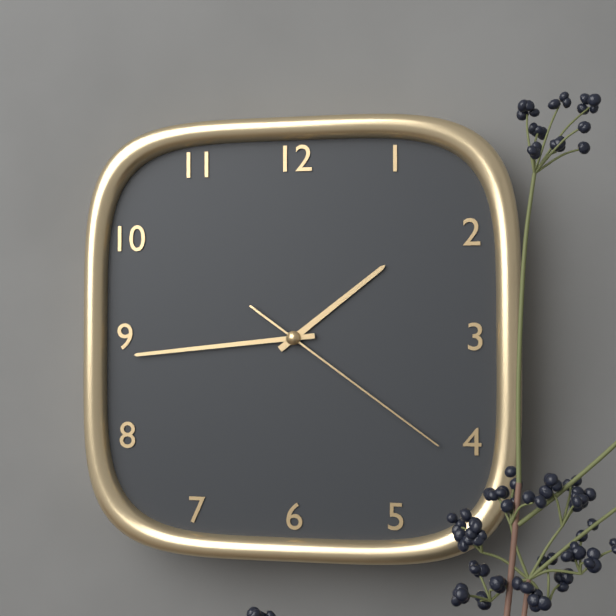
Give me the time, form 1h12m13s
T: 1h44m21s
